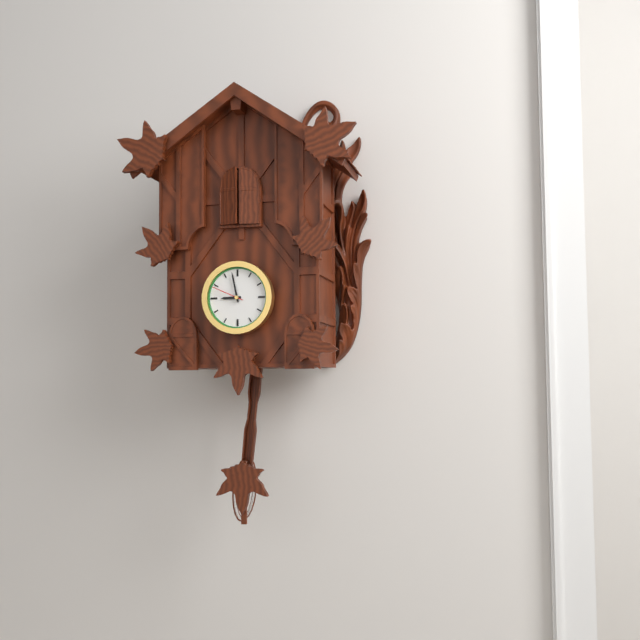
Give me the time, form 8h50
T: 8h58
